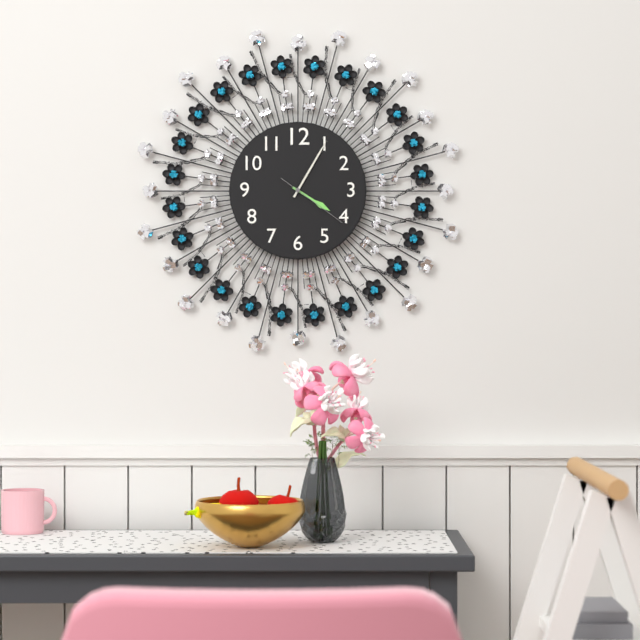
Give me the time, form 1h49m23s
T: 4h05m21s
